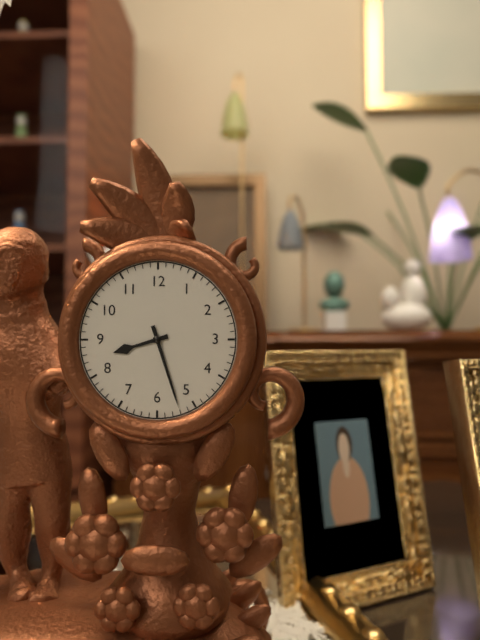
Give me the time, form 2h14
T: 8h27
